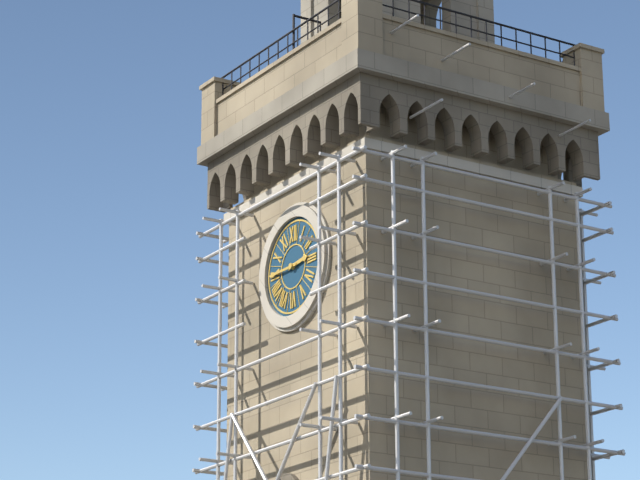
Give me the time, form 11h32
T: 2h45
